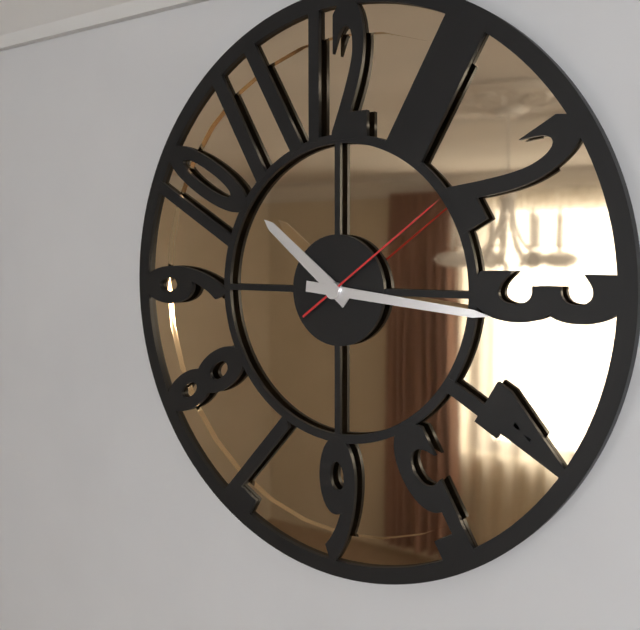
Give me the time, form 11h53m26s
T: 10h16m09s
